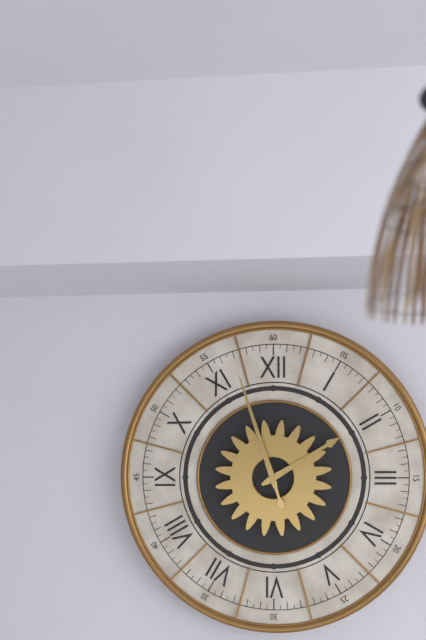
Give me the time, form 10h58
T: 1h57
